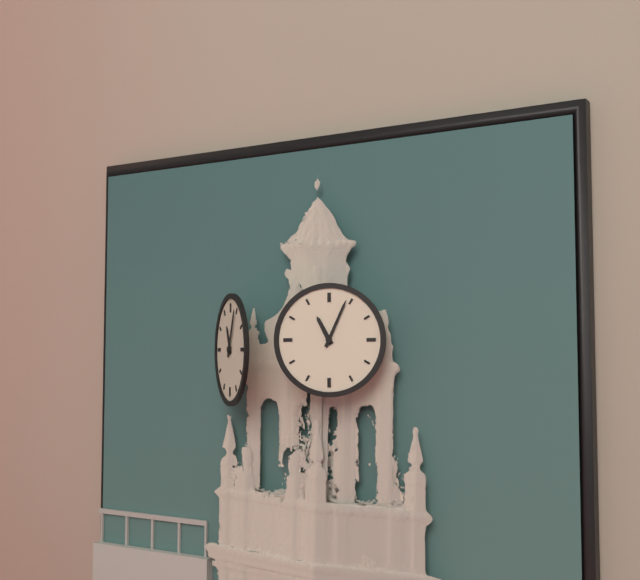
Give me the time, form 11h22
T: 11h04
